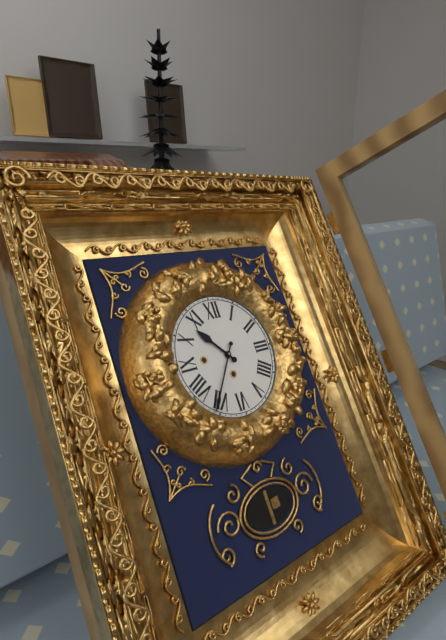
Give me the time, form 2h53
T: 10h36
